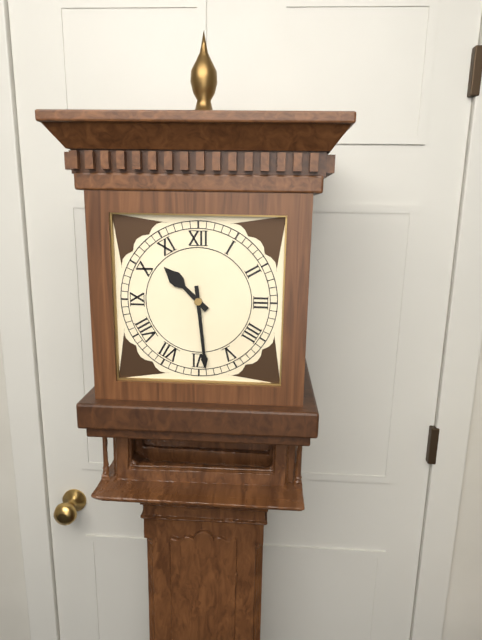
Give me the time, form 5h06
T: 10h29
